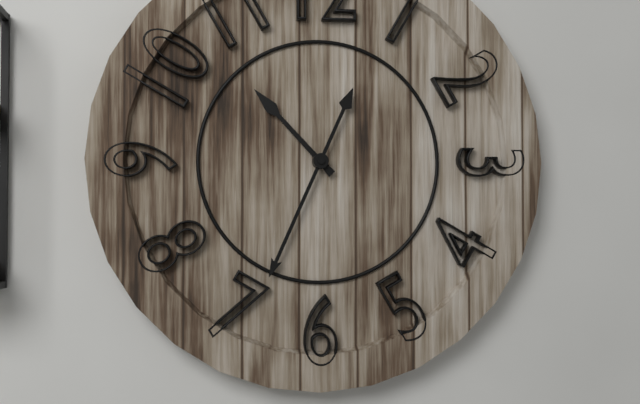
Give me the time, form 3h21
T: 10h34
